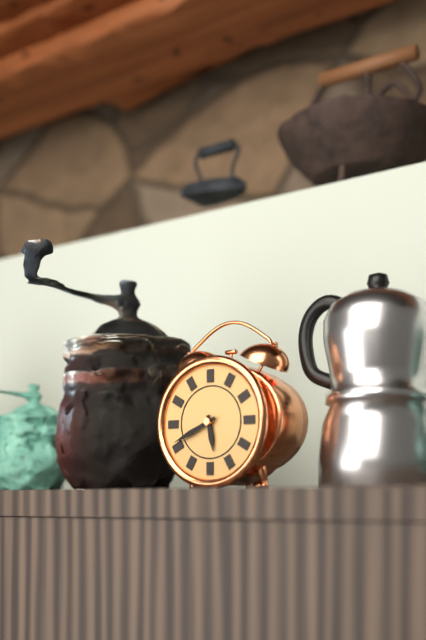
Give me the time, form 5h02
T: 5h41
